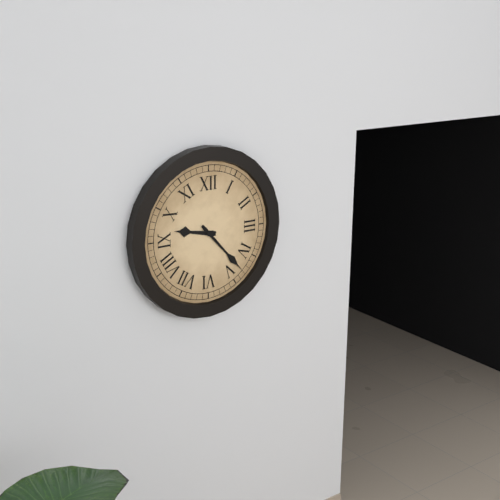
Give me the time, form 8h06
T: 9h23
